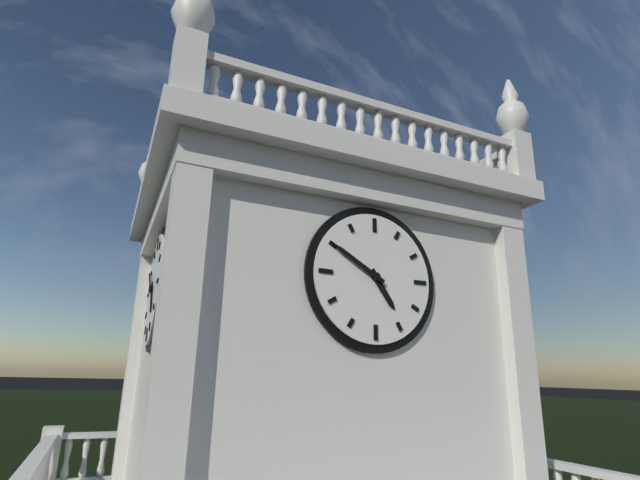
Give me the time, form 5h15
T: 4h50
